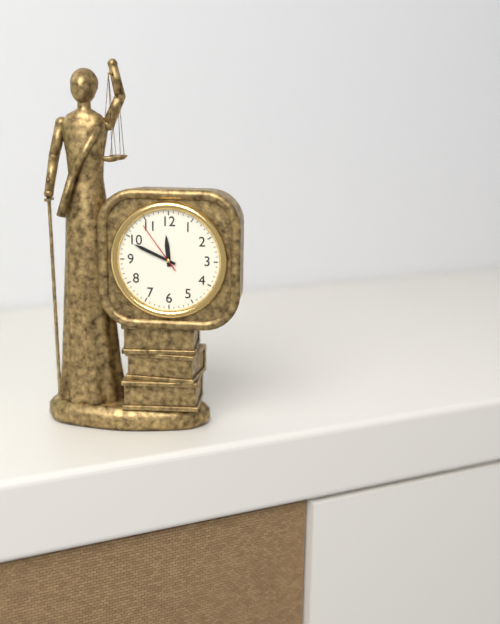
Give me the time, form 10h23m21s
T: 11h49m54s
